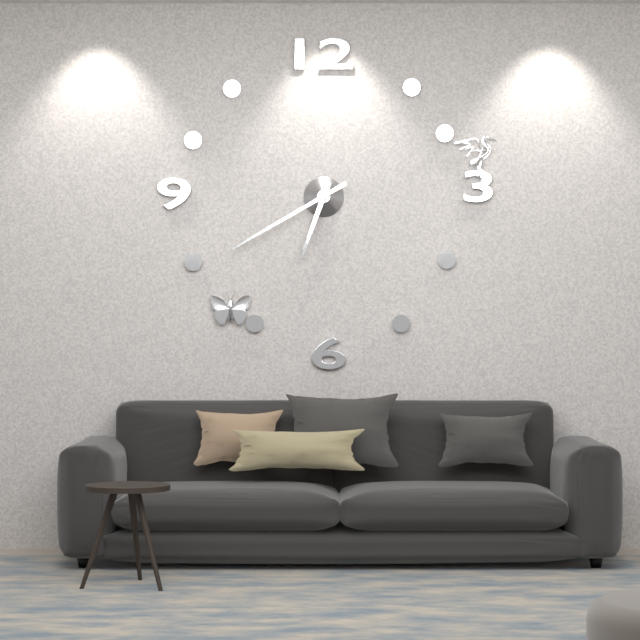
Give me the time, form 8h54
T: 6h40
